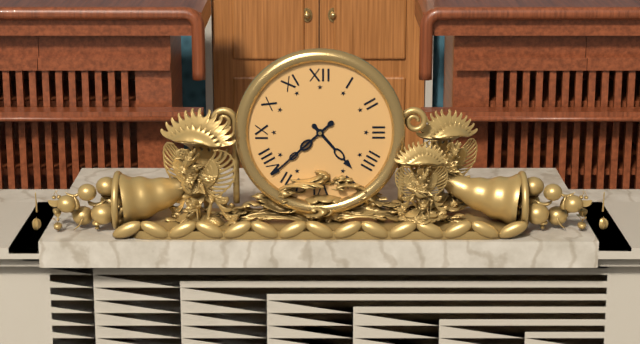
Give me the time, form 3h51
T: 4h38
